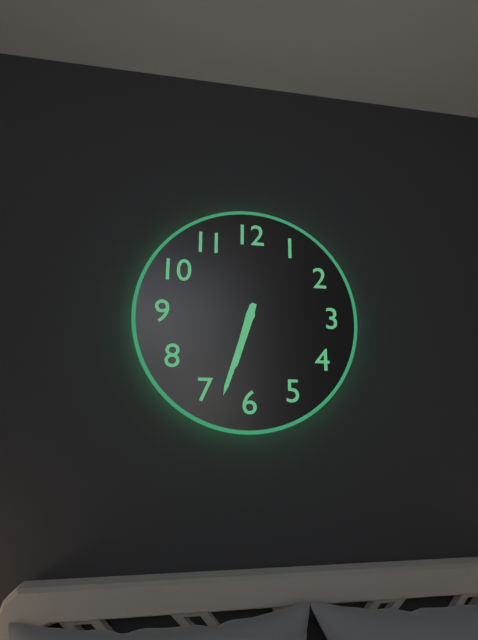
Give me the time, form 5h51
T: 6h33
